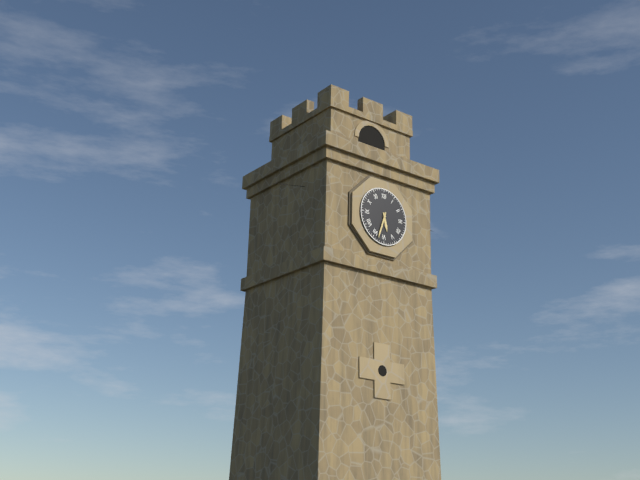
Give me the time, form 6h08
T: 5h33
